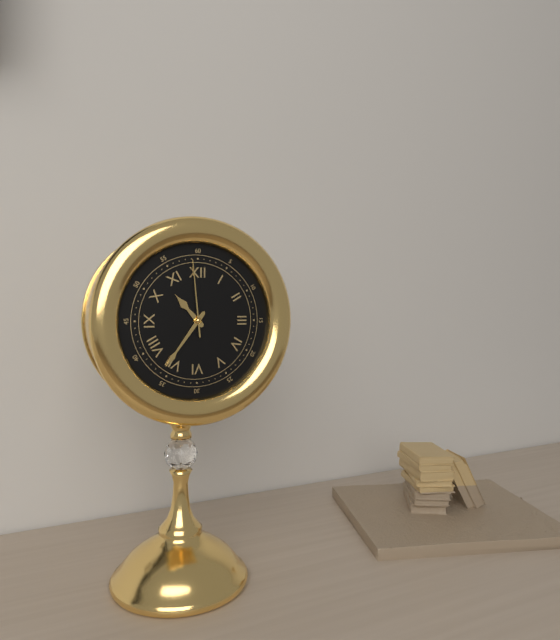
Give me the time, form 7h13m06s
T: 10h36m59s
